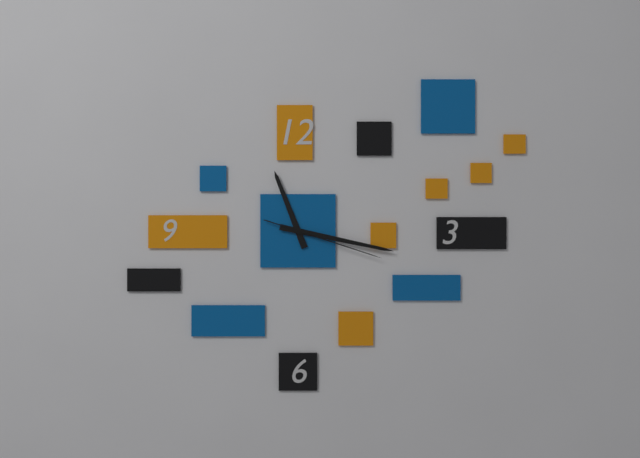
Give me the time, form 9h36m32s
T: 11h17m18s
